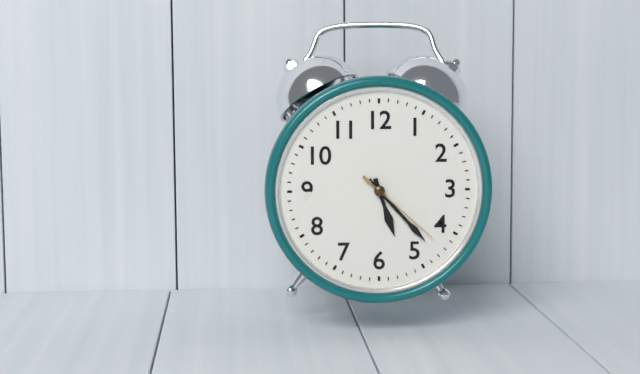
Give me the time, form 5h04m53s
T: 5h23m22s
